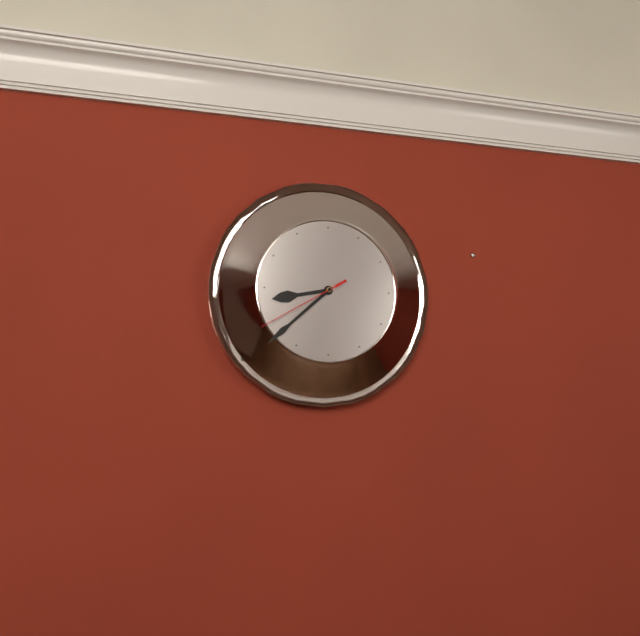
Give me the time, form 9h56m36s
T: 8h38m40s
